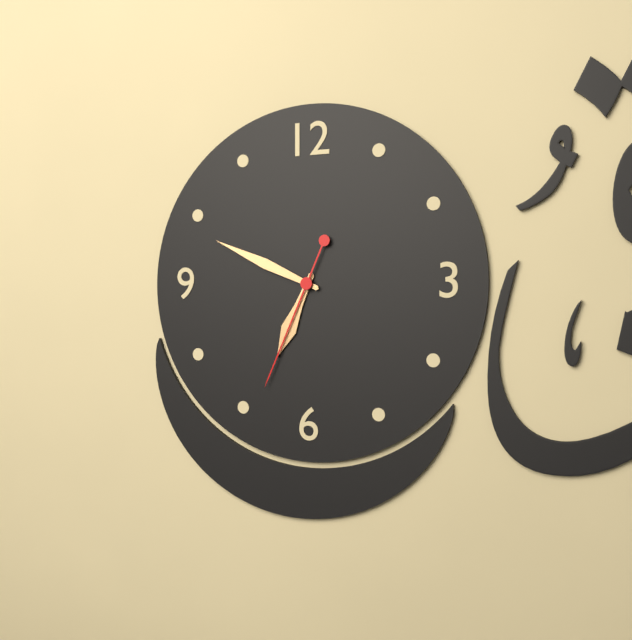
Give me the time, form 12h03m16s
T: 6h49m34s
